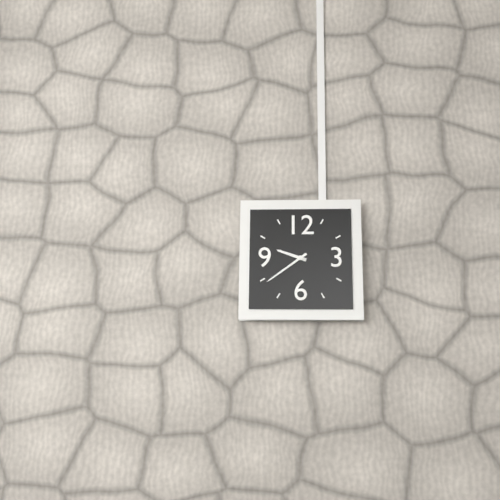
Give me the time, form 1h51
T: 9h39
